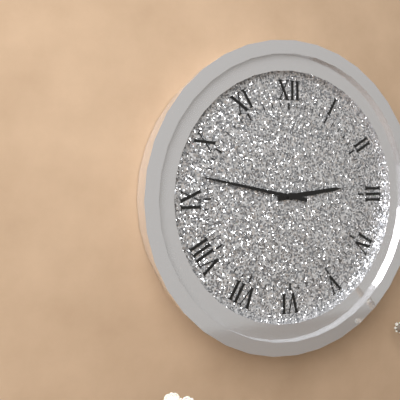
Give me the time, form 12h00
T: 2h47
